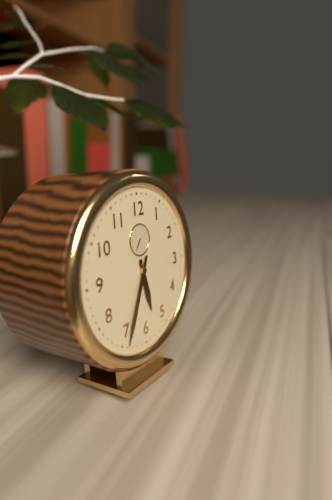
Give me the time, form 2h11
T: 5h34
